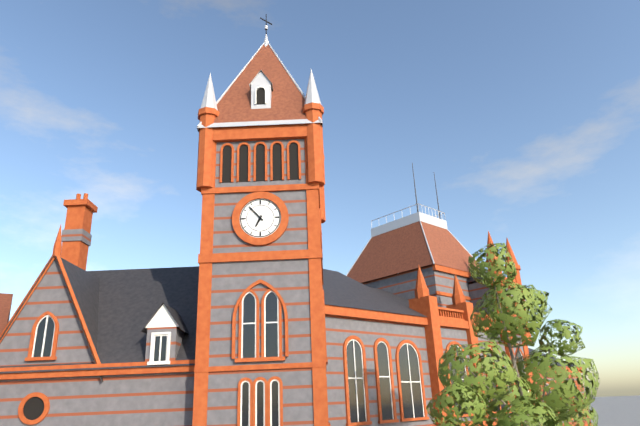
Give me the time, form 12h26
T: 6h53
